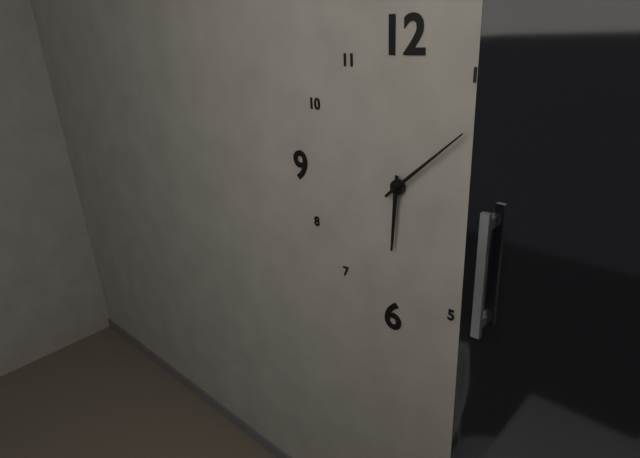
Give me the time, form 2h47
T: 6h08
